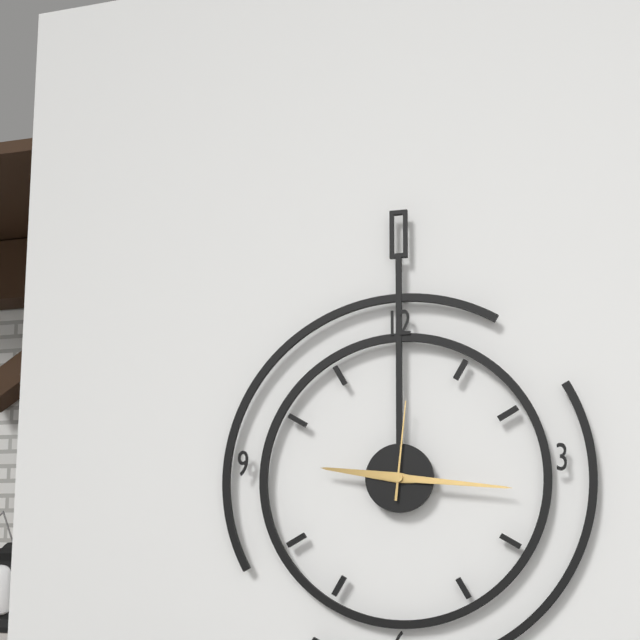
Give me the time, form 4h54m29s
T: 9h16m01s
